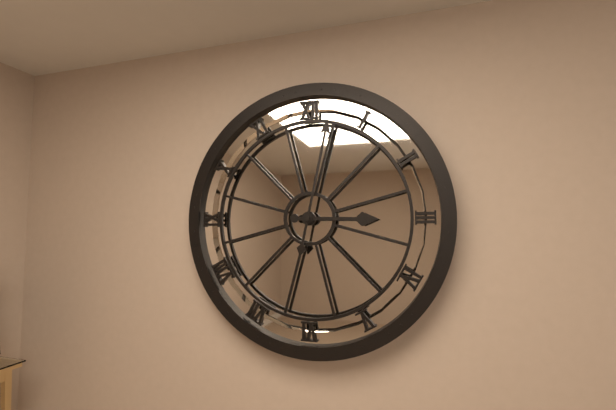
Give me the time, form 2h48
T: 3h02
